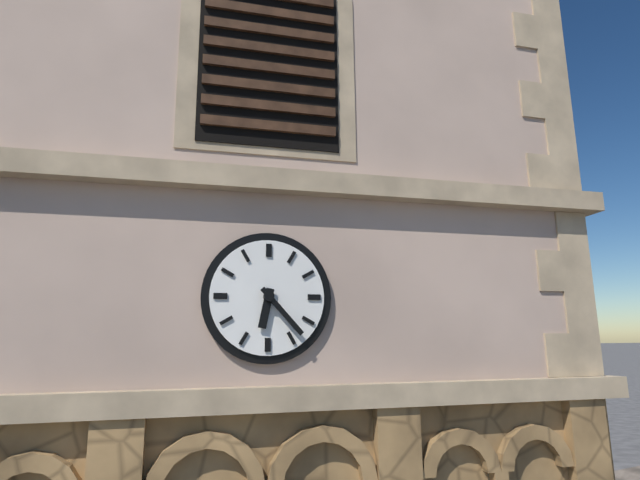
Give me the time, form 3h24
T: 6h23
